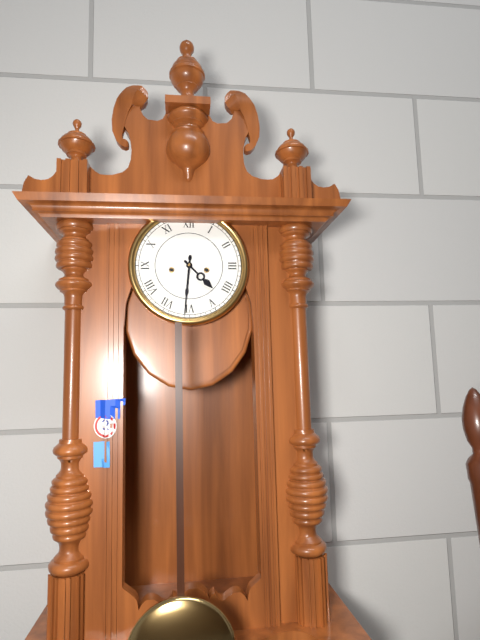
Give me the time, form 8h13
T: 4h31
